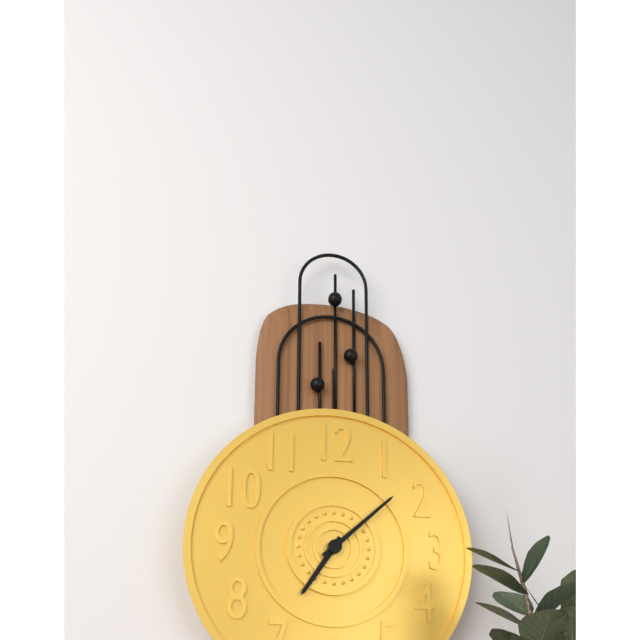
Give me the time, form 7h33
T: 7h08
